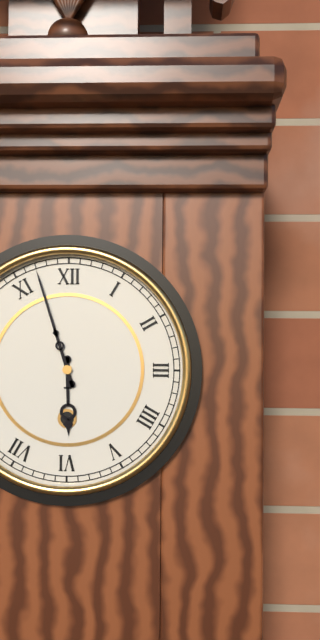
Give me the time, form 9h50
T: 5h57
